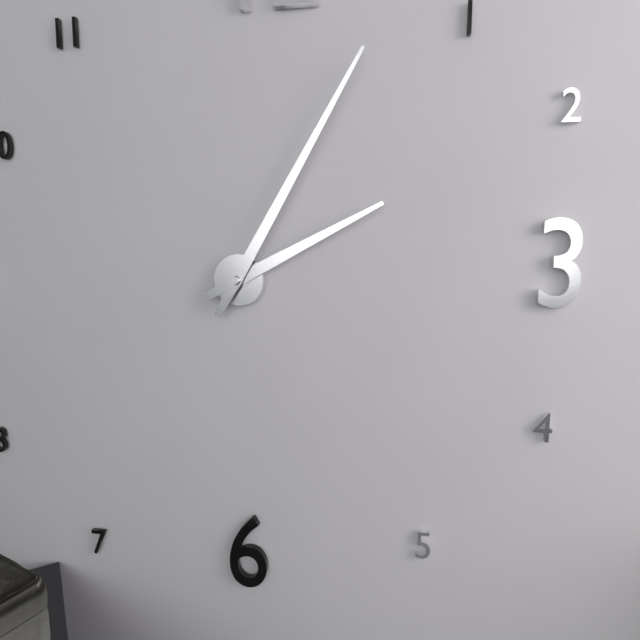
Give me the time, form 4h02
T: 2h05
